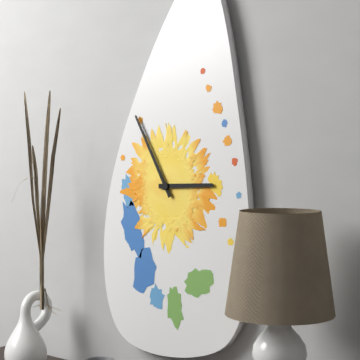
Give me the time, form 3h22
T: 2h55
